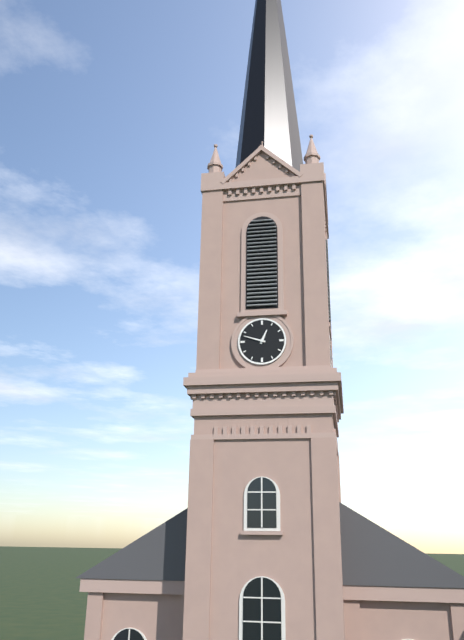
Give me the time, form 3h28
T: 12h48
